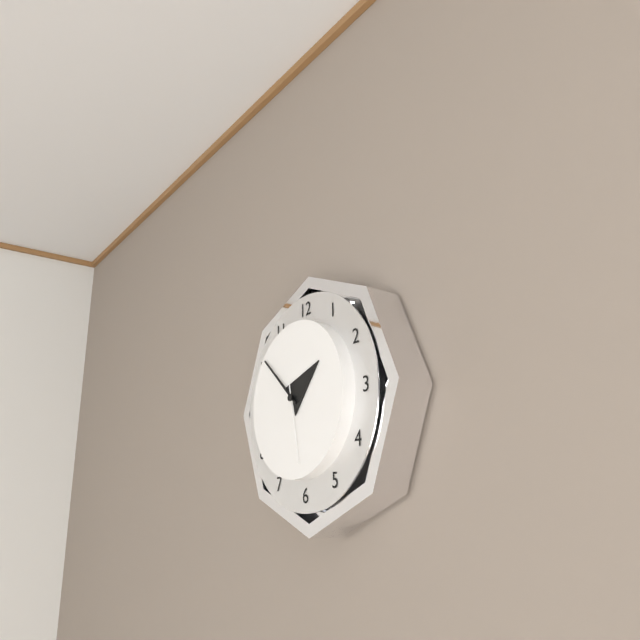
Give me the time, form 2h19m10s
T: 1h52m28s
